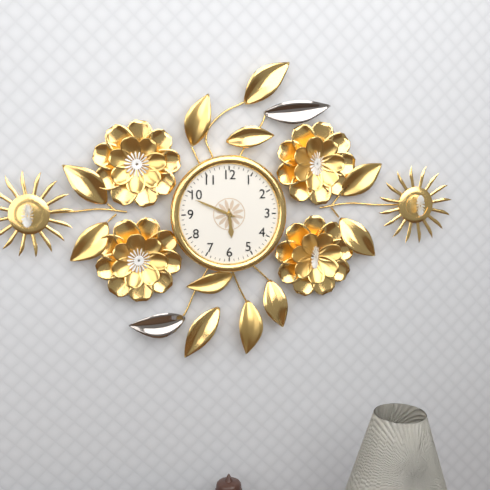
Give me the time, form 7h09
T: 5h49
